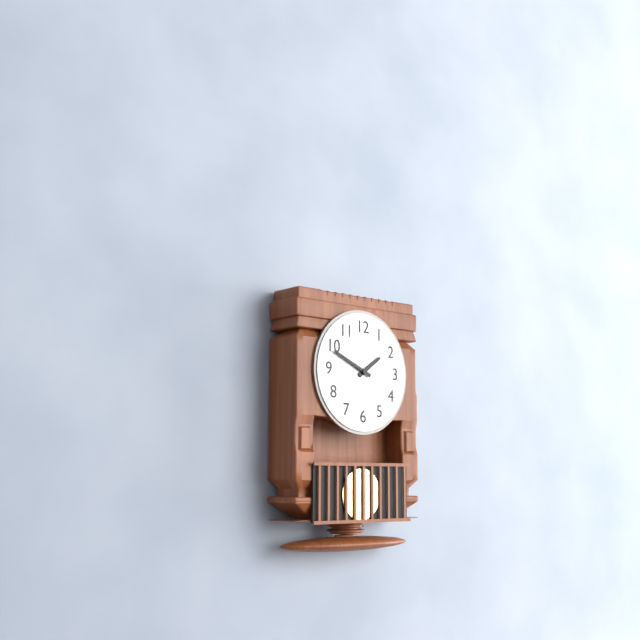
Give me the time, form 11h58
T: 1h49
